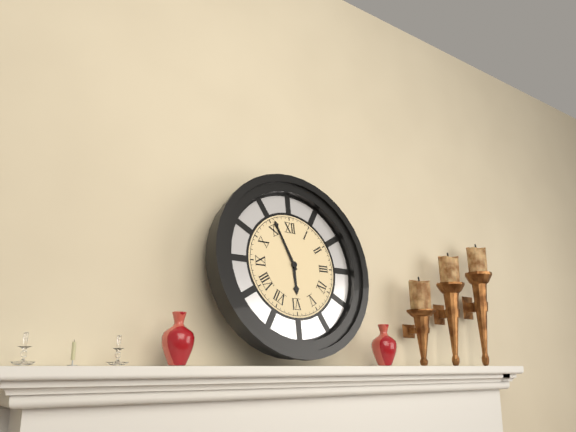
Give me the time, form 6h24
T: 5h56
